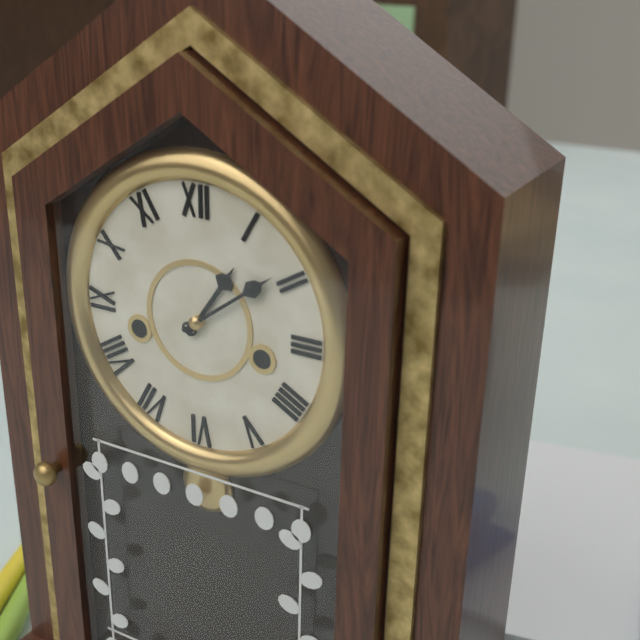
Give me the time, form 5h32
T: 1h09
